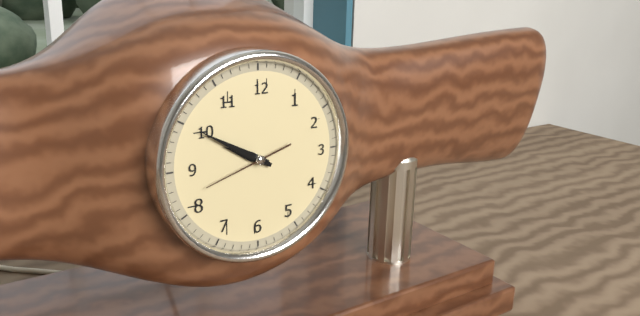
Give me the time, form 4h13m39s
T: 9h50m42s
